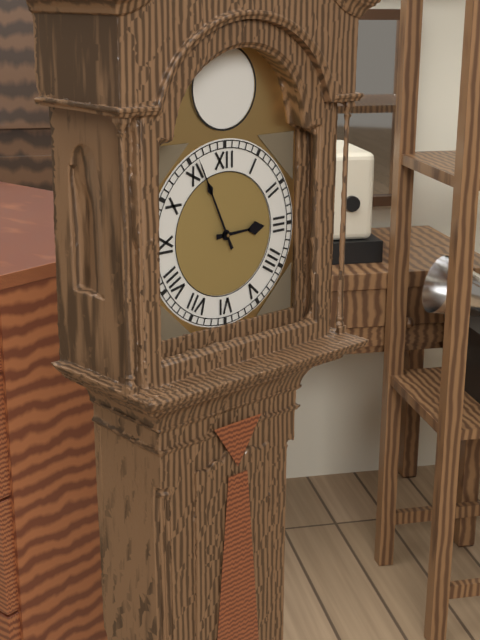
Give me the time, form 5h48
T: 2h56
